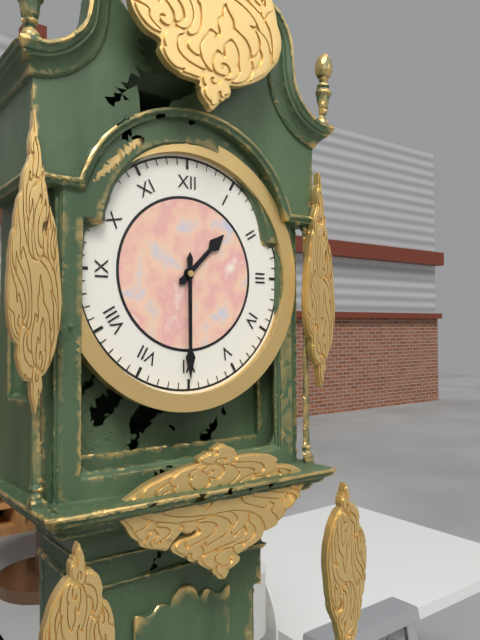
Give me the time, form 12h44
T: 1h30
